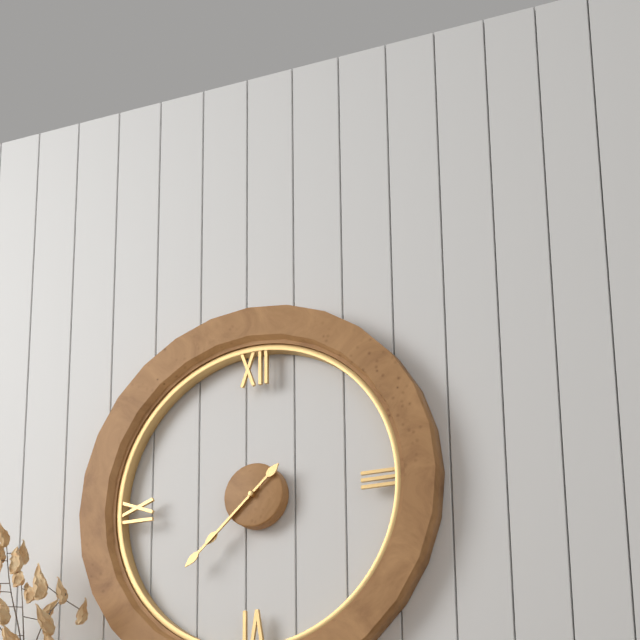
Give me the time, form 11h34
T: 7h38
